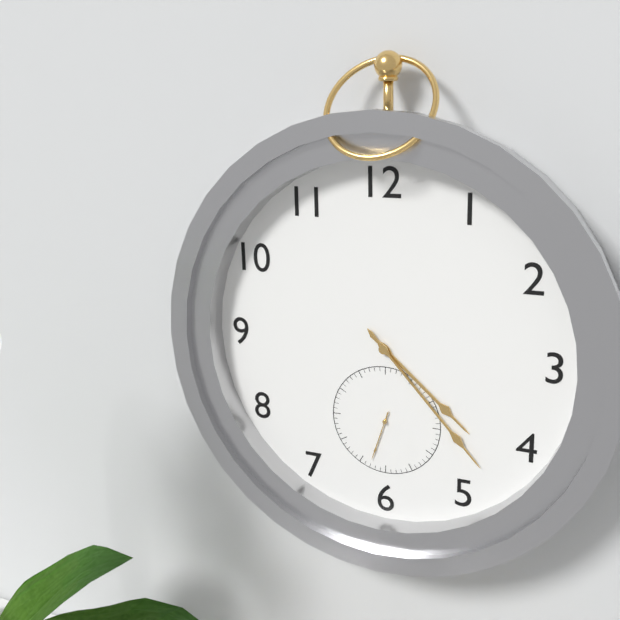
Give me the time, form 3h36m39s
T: 4h23m33s
